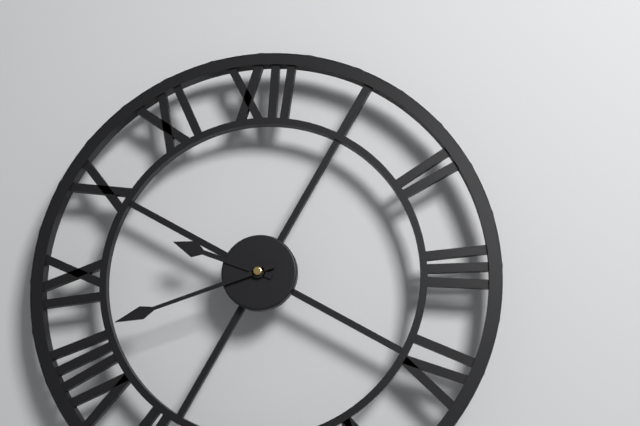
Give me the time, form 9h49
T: 9h42
